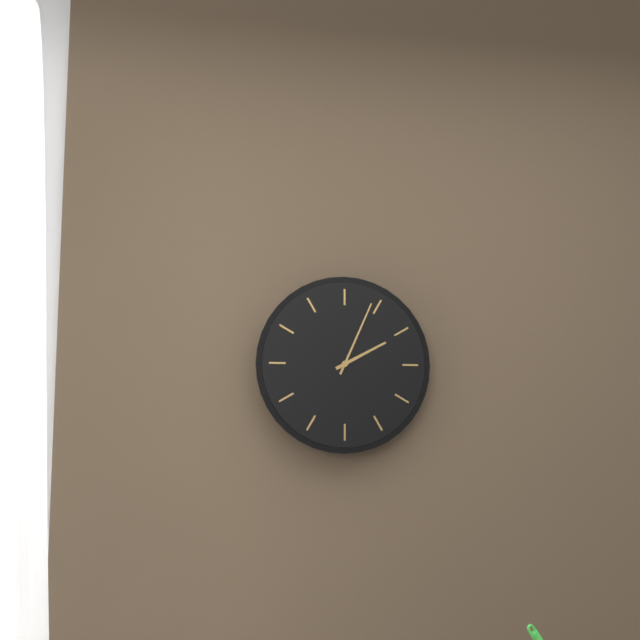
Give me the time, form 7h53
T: 2h04
